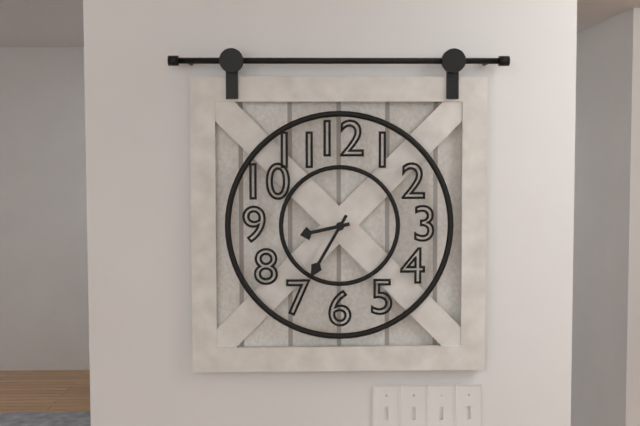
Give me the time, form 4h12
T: 8h35
